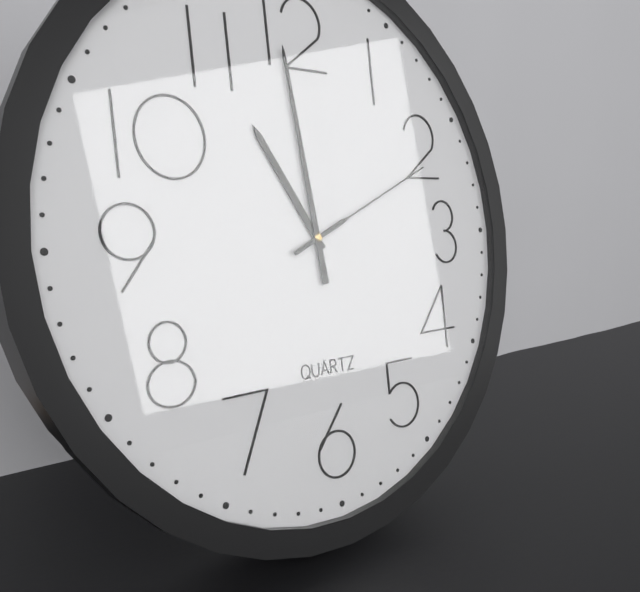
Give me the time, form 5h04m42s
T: 10h59m11s
